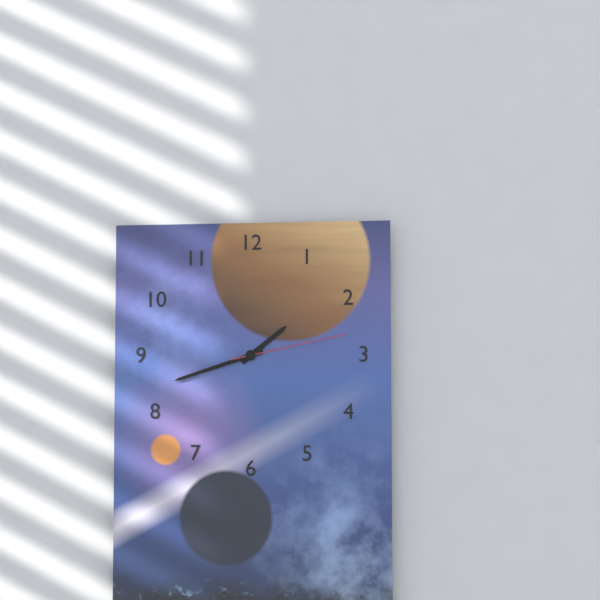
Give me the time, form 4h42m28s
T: 1h42m13s
